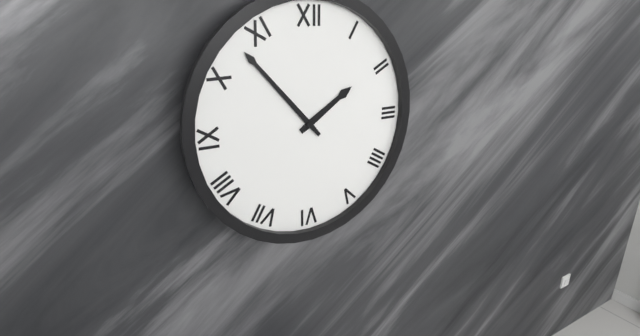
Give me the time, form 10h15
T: 1h53
